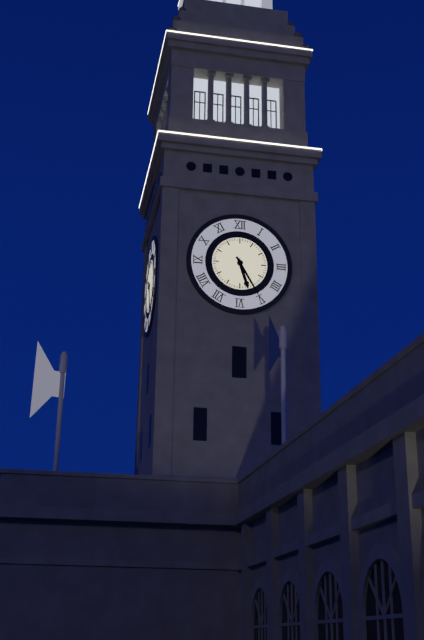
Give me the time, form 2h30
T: 5h25
